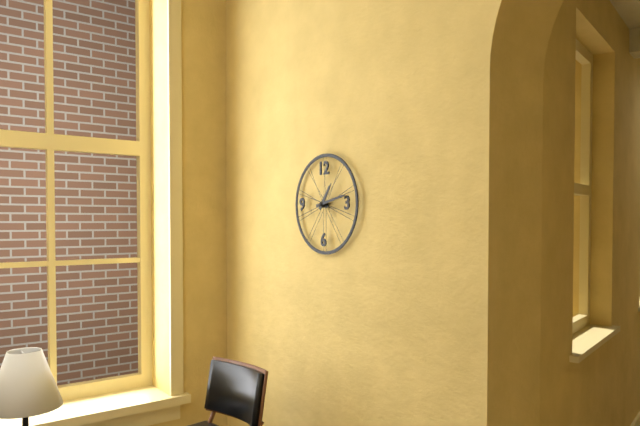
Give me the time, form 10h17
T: 1h13
